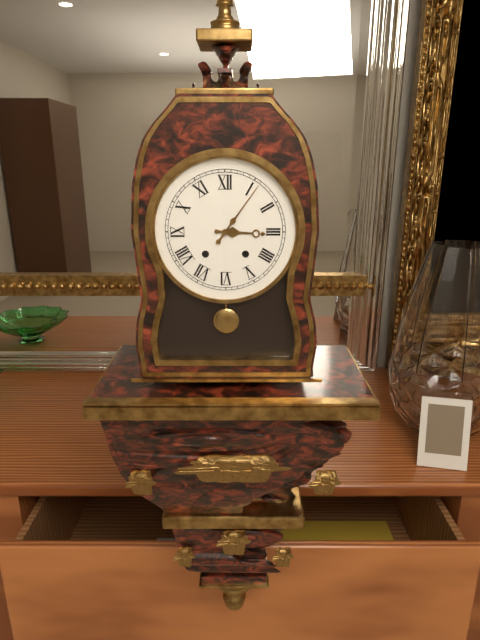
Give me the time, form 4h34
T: 3h06
